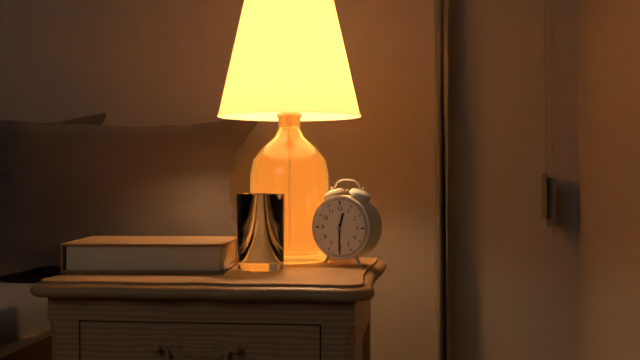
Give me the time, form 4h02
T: 12h30
